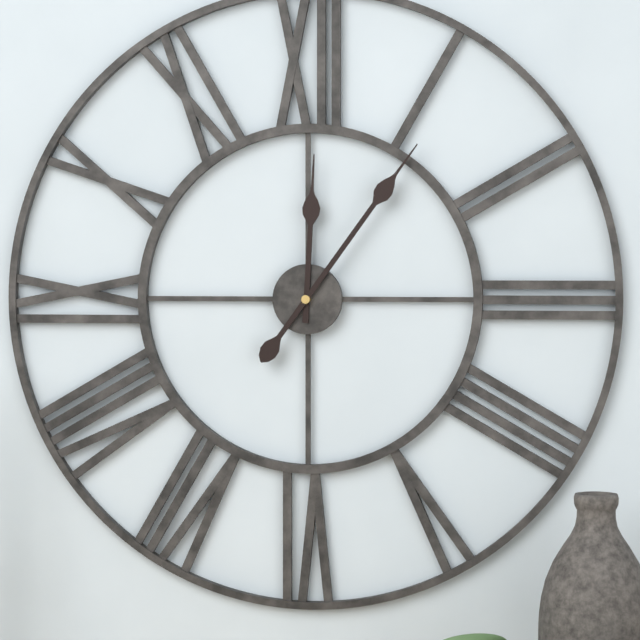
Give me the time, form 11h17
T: 12h06
